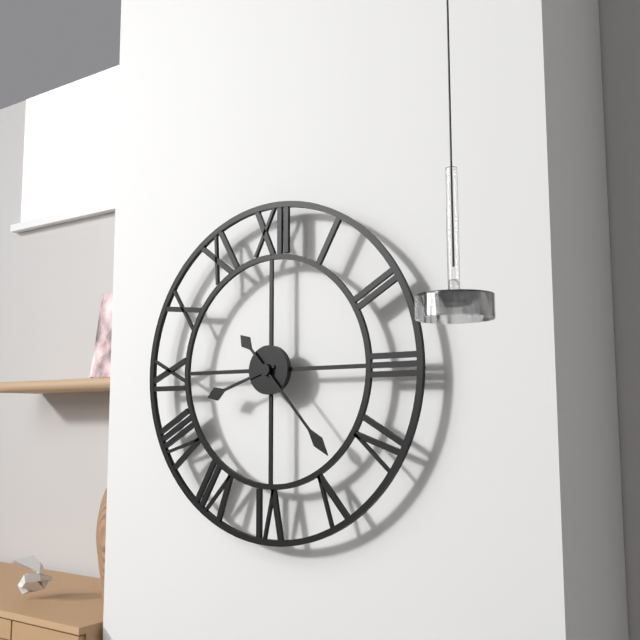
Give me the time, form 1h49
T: 8h23
